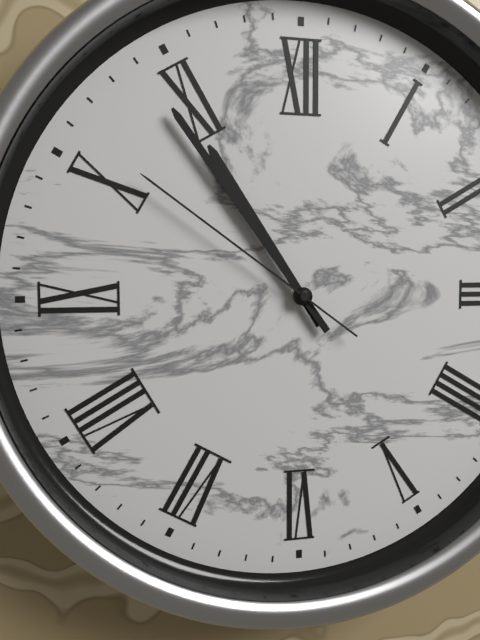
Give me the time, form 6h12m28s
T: 10h54m51s
